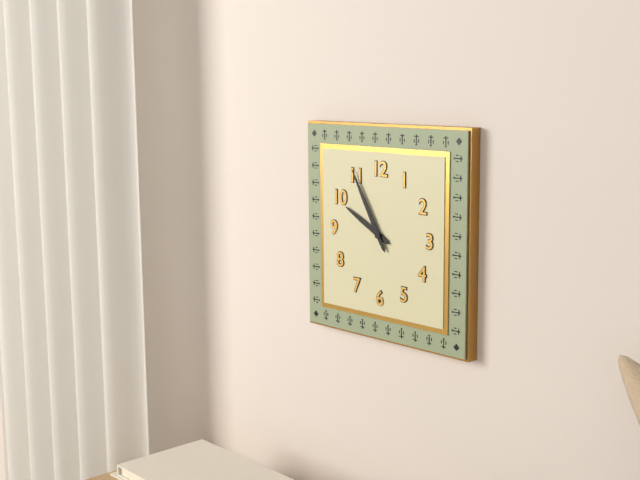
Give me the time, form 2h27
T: 9h55
